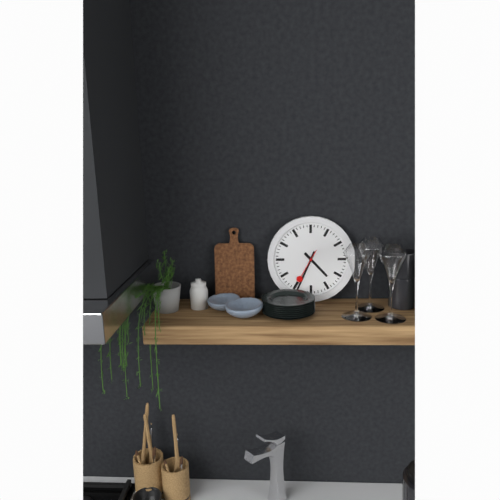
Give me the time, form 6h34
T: 4h34
